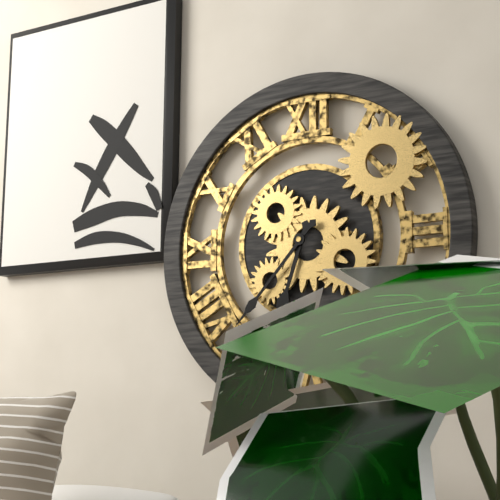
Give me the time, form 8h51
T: 6h37
